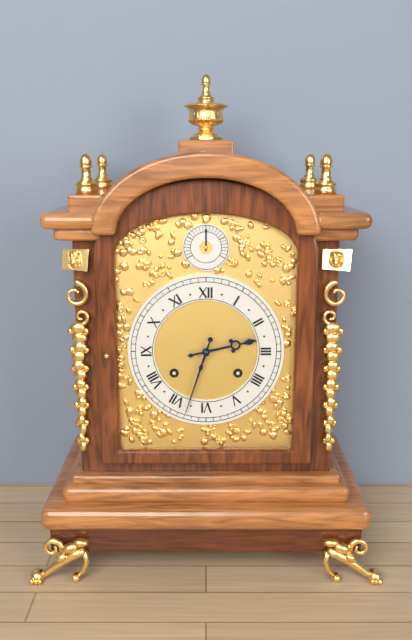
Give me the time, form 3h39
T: 2h33
